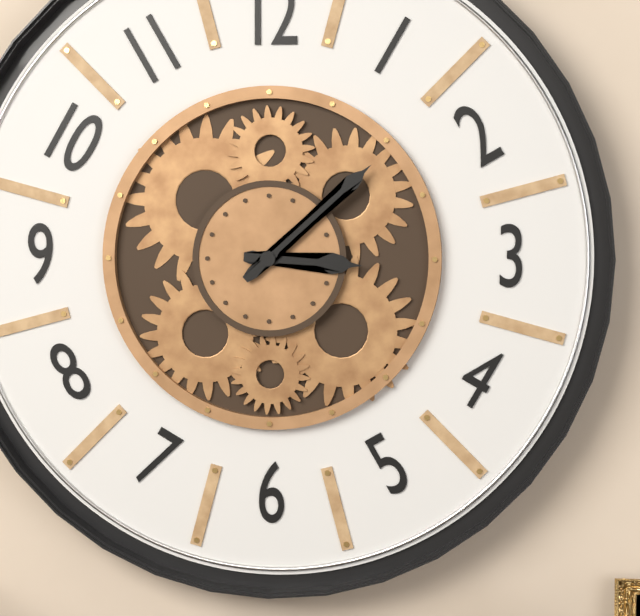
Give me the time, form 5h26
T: 3h08
